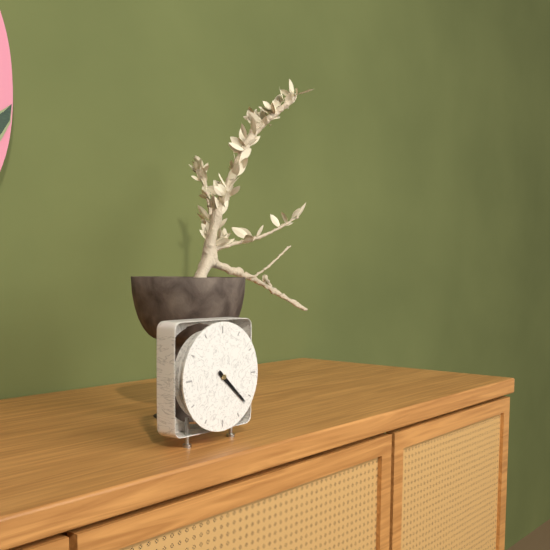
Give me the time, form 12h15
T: 4h22
